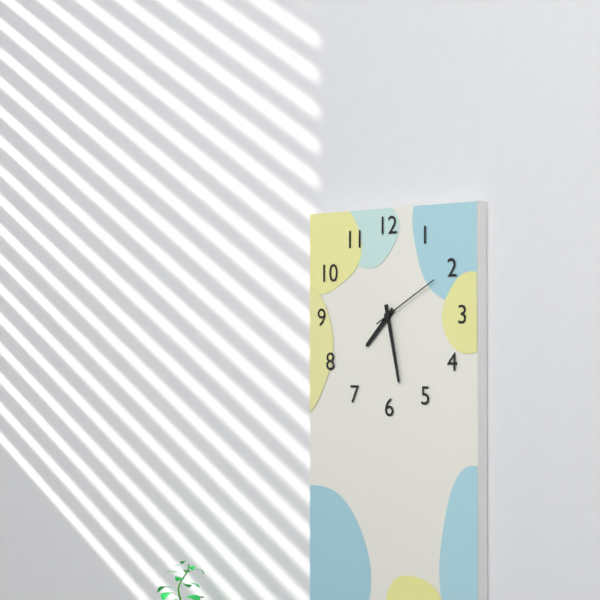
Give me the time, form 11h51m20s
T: 7h28m10s
